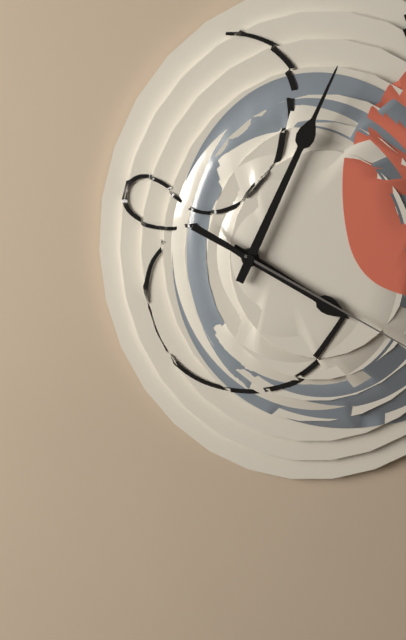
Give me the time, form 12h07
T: 4h04
